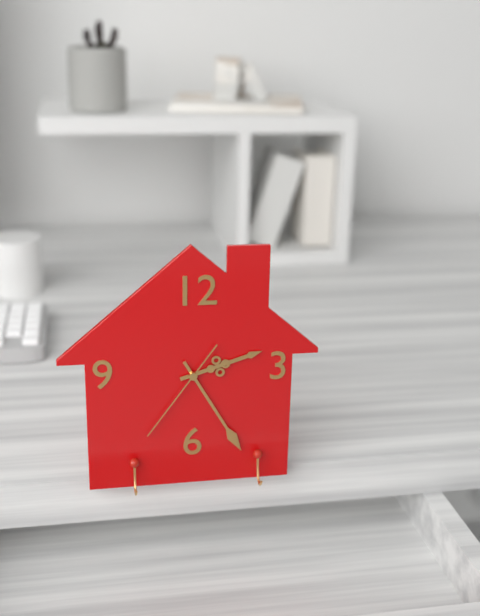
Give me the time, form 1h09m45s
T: 2h25m36s
